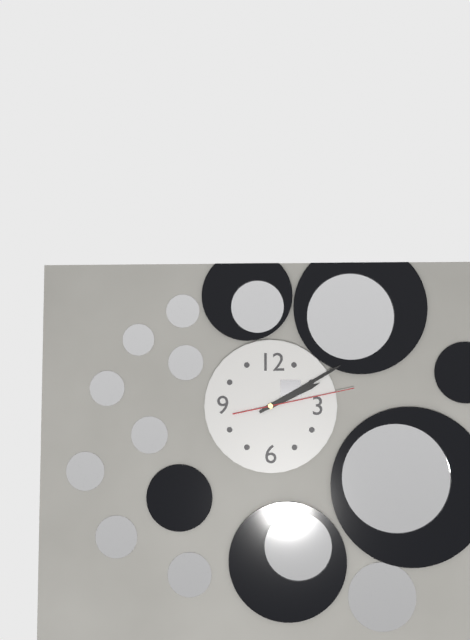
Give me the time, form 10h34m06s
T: 2h10m13s
